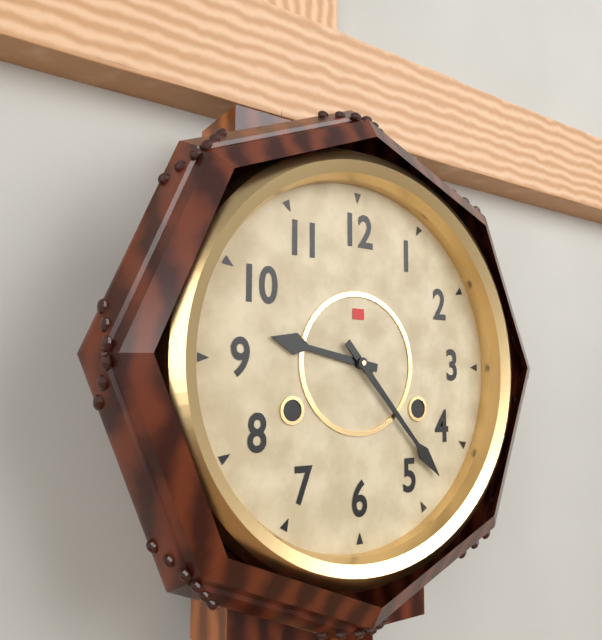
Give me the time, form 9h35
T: 9h23
